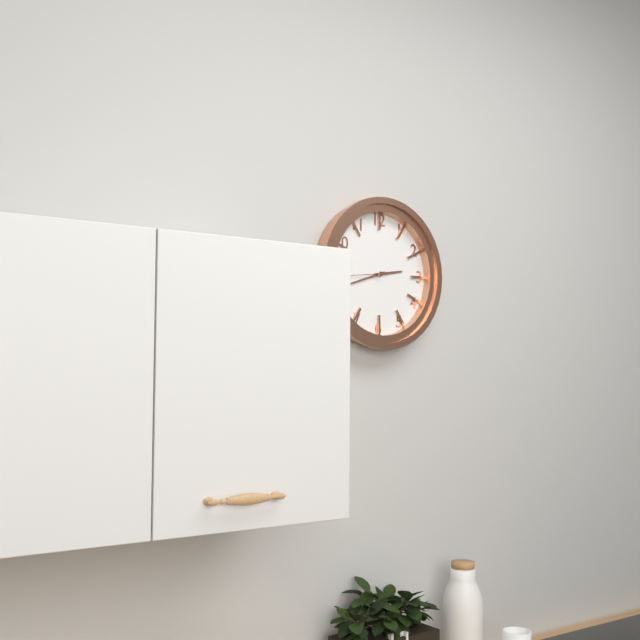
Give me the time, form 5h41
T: 2h42
